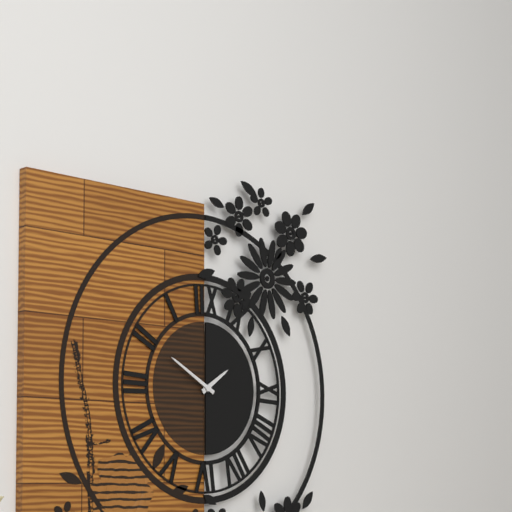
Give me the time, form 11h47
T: 1h50
